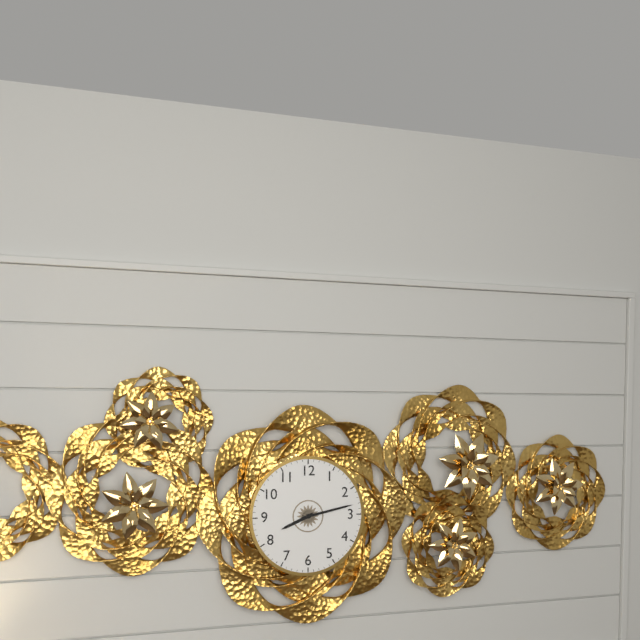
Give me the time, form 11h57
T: 8h13
